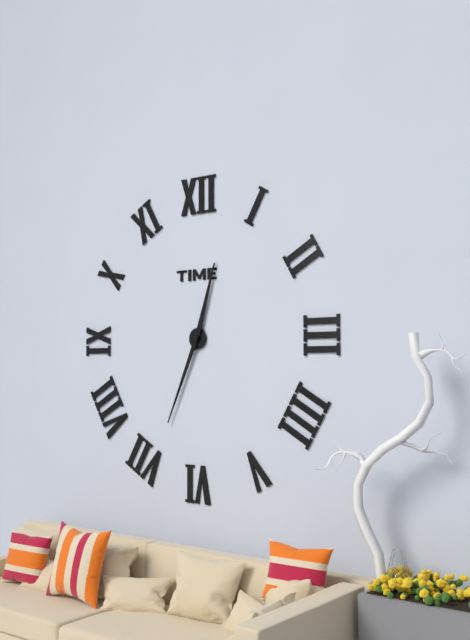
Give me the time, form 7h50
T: 12h34
